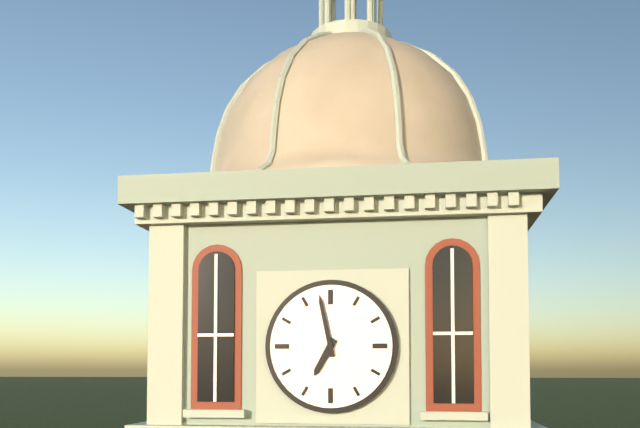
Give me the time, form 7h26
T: 6h58
